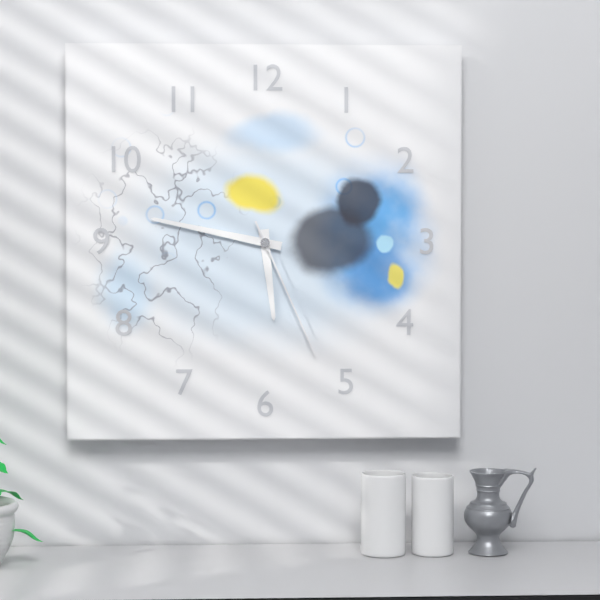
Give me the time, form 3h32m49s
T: 5h47m26s
